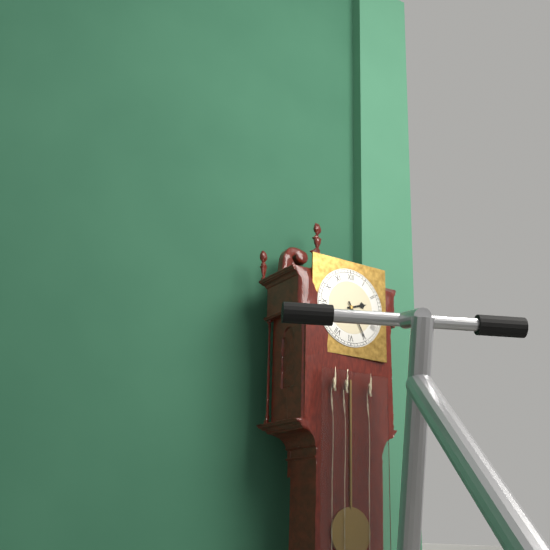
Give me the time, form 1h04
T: 2h25
